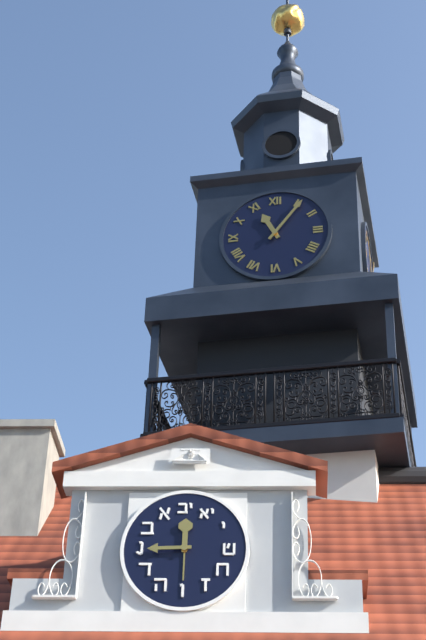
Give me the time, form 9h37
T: 11h06
